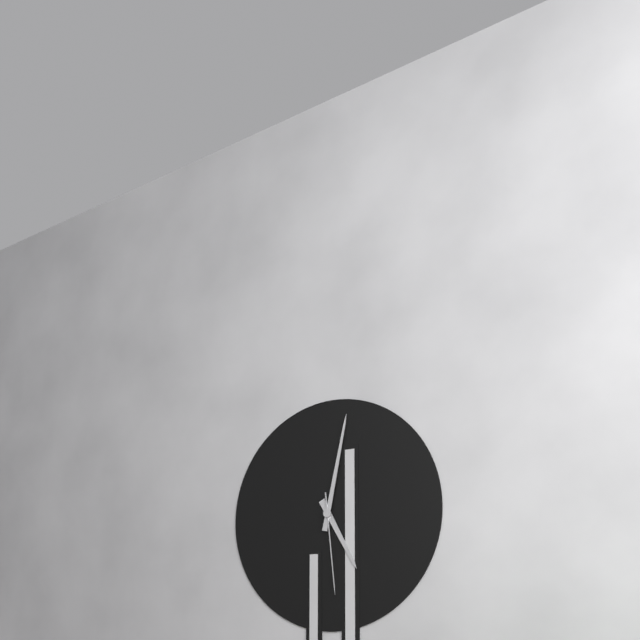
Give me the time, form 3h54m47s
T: 5h02m29s
